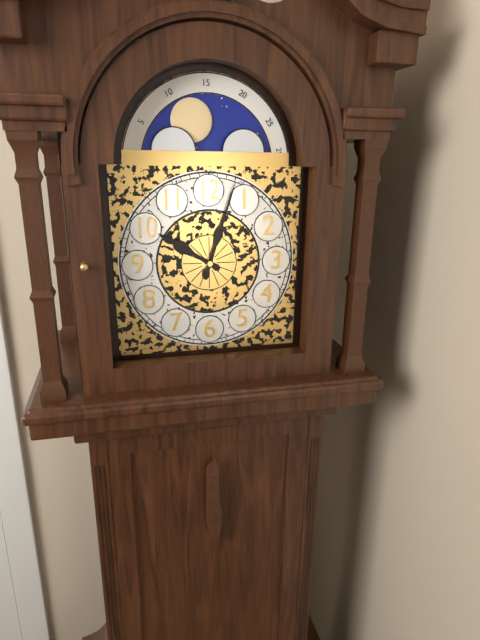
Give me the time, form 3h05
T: 10h03
